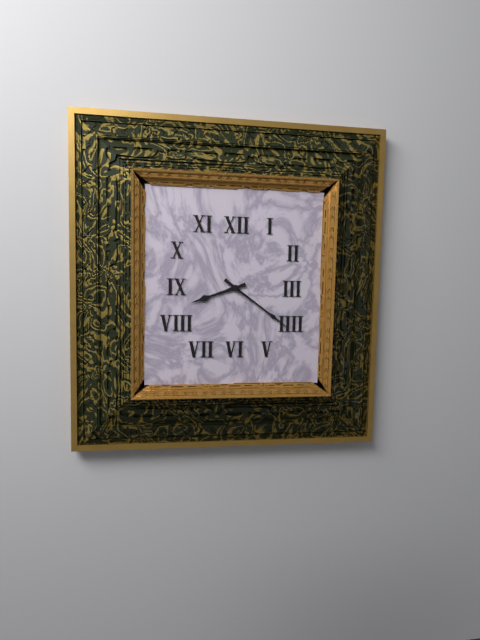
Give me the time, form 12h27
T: 8h21
